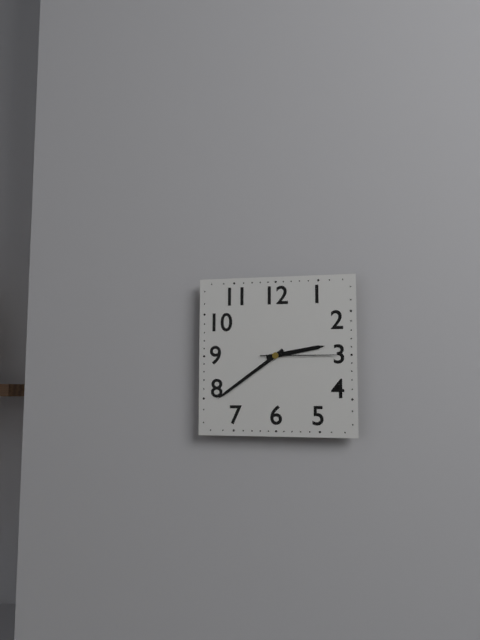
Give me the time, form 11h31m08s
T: 2h39m15s
